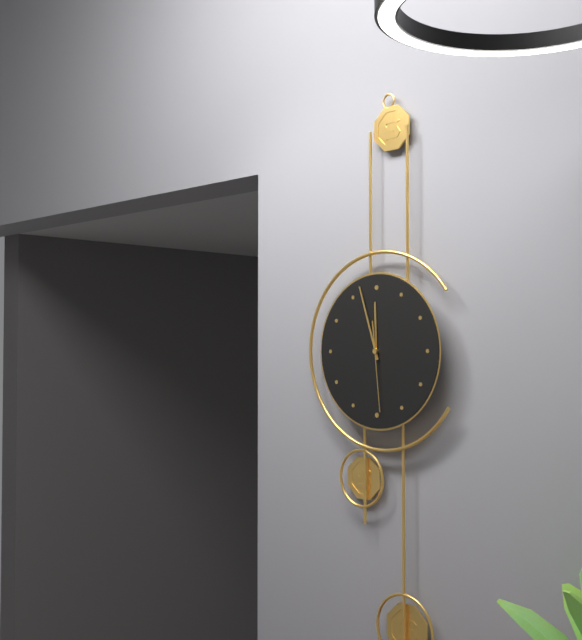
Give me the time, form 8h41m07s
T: 11h57m29s
